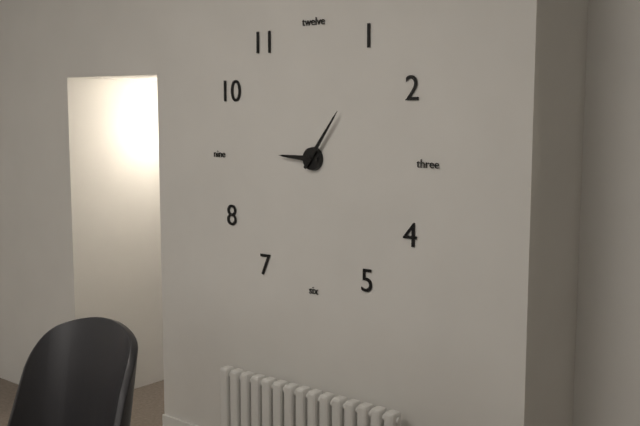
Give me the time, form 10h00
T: 9h06
